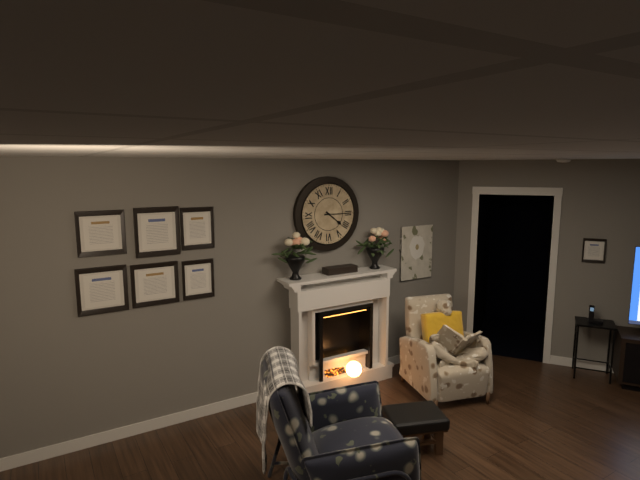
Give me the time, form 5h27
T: 4h15
